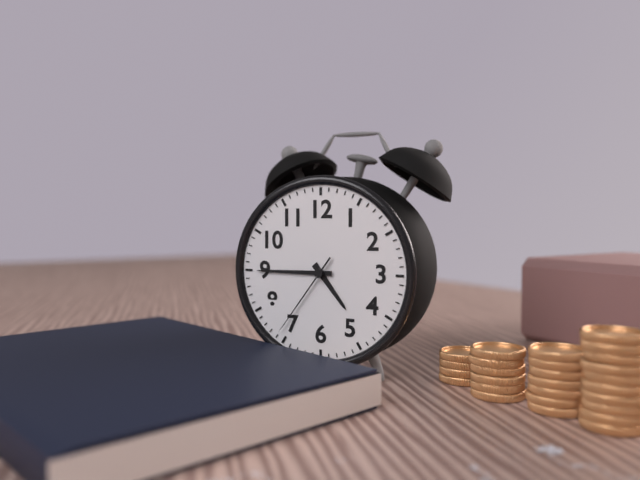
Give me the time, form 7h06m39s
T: 4h45m36s
